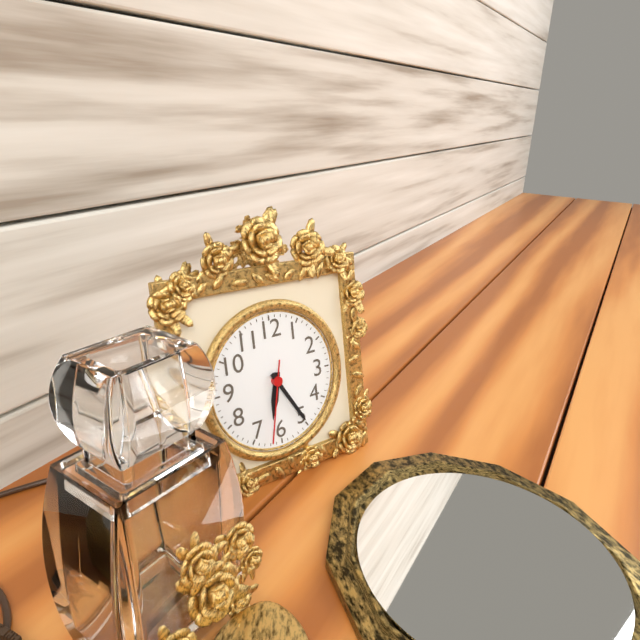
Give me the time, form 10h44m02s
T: 6h25m32s
